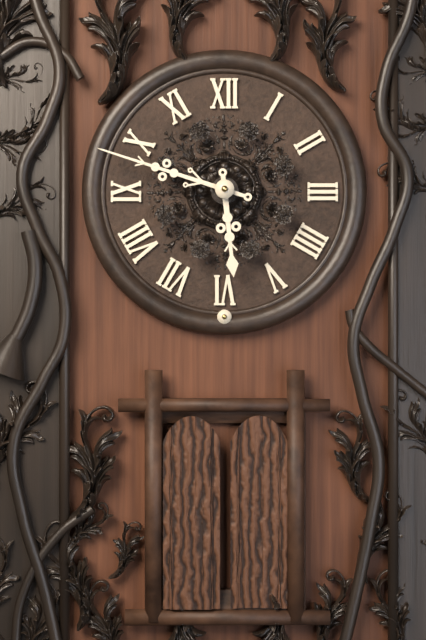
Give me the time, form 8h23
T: 5h48
